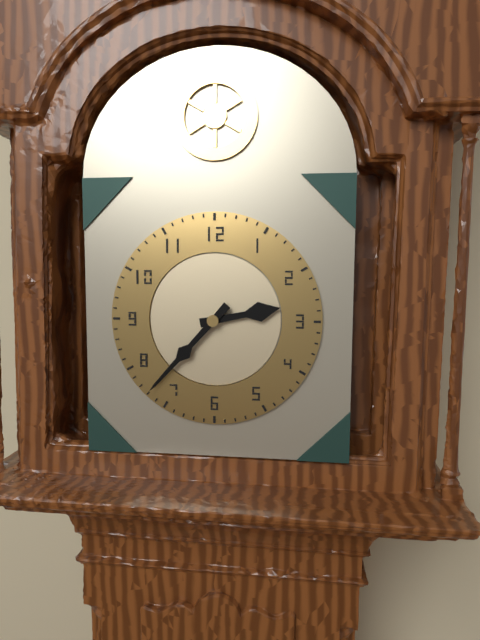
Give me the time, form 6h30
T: 2h37
